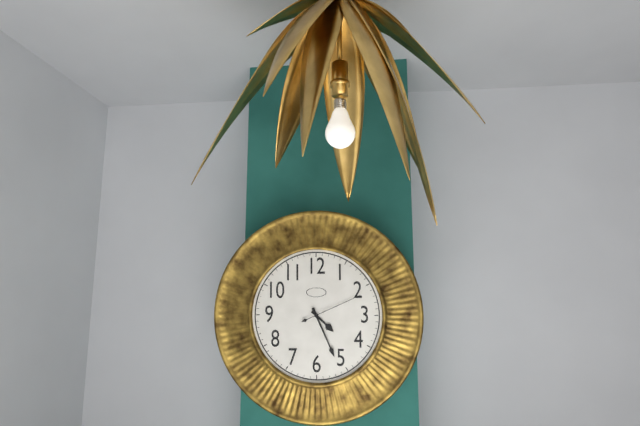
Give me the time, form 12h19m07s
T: 4h26m11s
